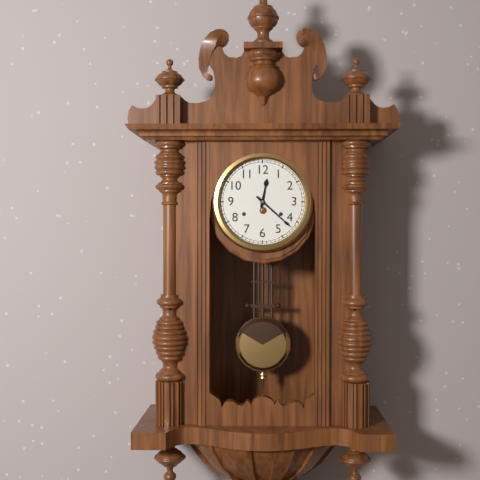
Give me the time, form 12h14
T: 12h22
